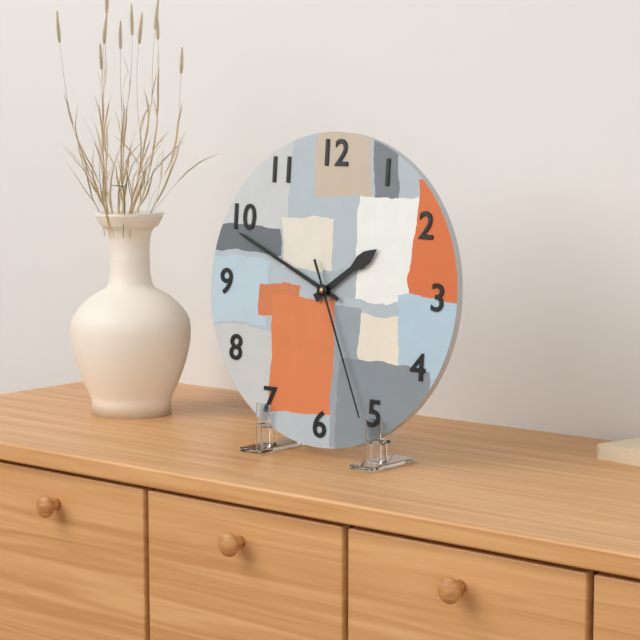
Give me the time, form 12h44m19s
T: 1h49m26s
